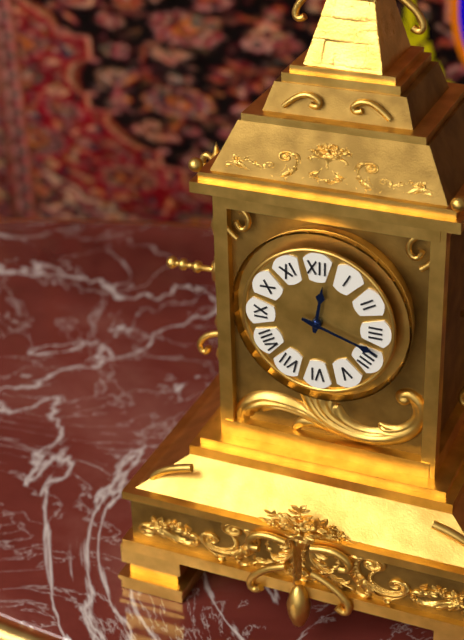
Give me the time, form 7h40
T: 12h18
